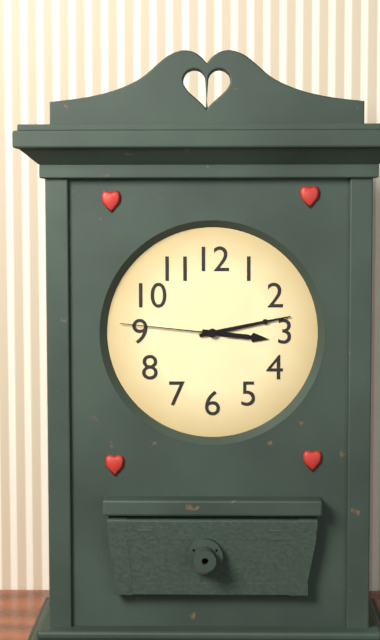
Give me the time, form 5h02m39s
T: 3h13m46s
